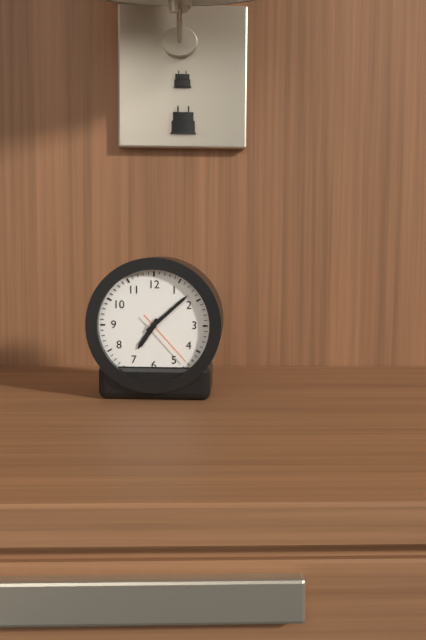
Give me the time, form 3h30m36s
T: 7h08m23s
